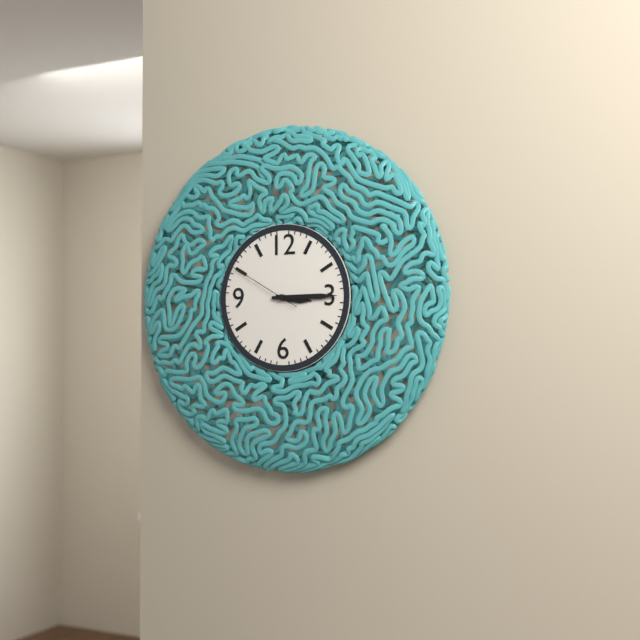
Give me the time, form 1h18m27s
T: 3h15m50s
